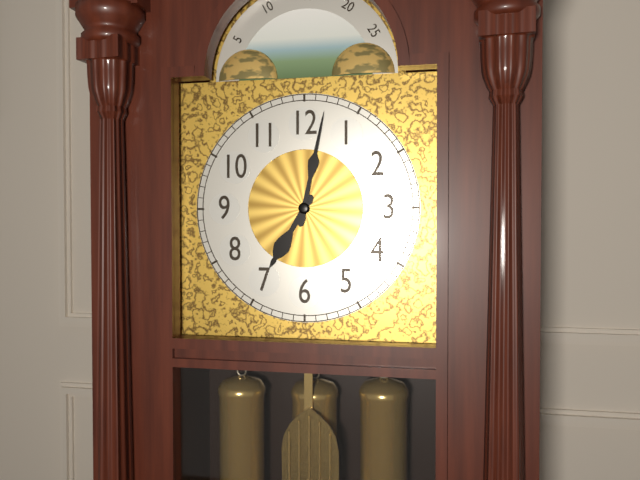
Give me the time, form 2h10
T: 7h02
